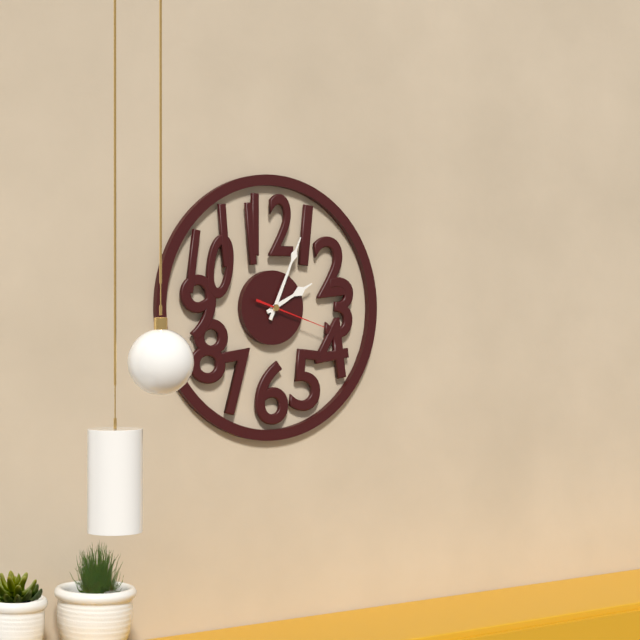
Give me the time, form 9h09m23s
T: 2h04m18s
